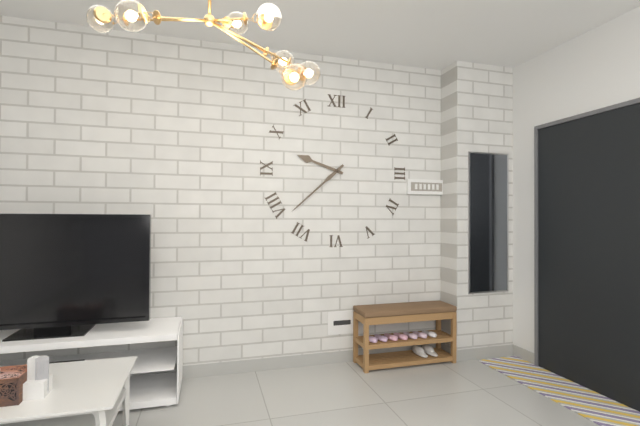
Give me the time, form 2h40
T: 9h38
